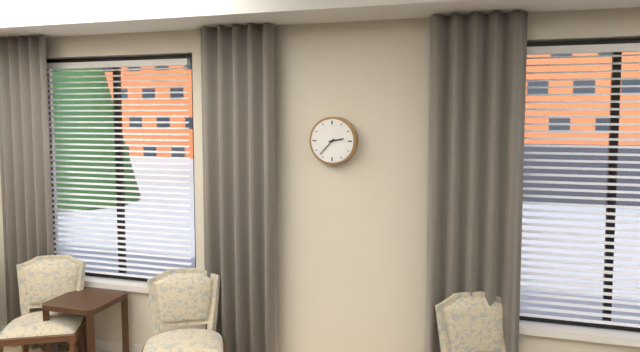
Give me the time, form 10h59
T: 2h37
